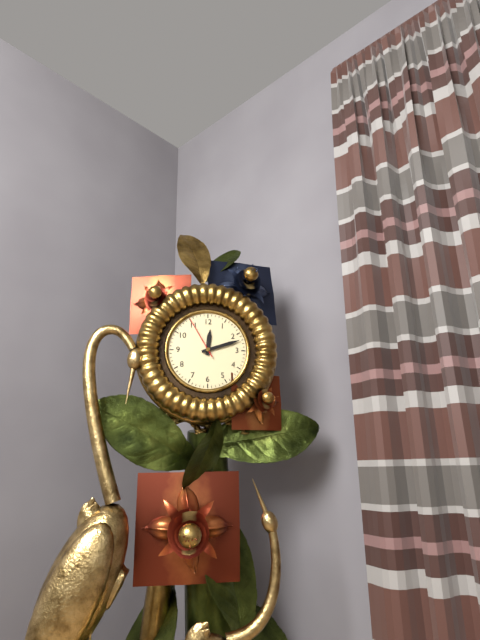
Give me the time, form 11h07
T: 12h12
